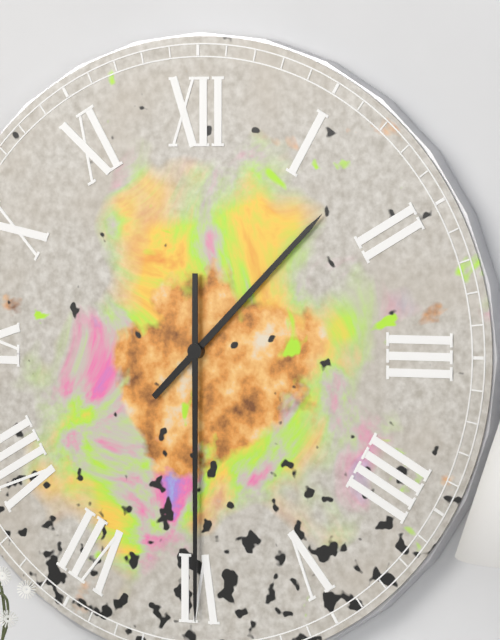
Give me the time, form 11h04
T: 1h30
